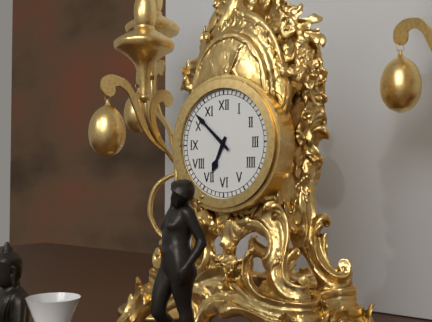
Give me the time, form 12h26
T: 6h52
